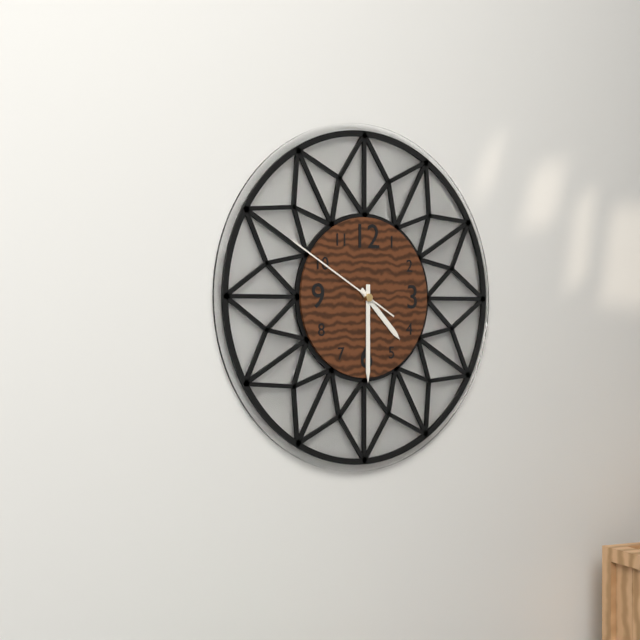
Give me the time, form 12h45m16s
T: 4h30m50s
